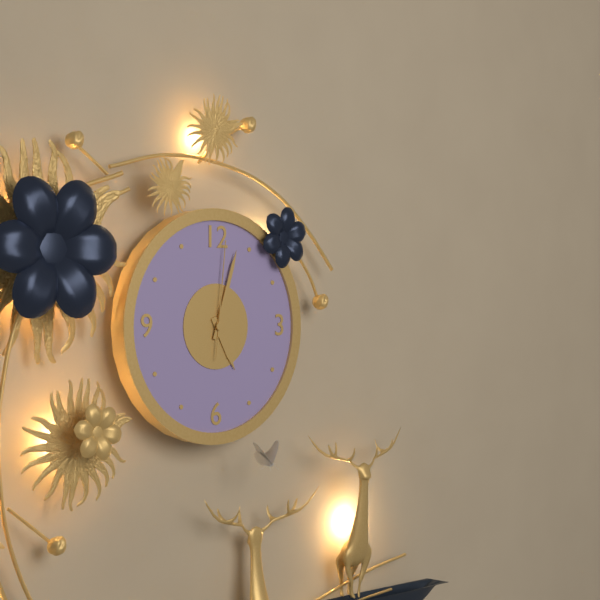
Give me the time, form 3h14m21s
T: 5h03m01s
